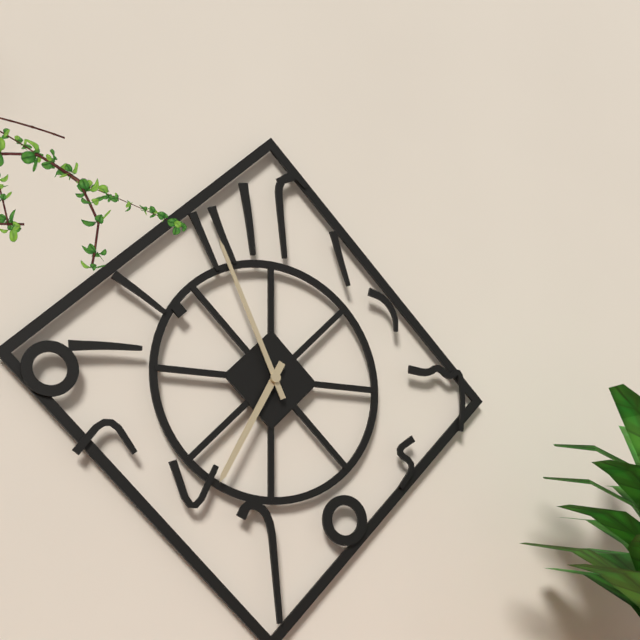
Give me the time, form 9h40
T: 6h56
